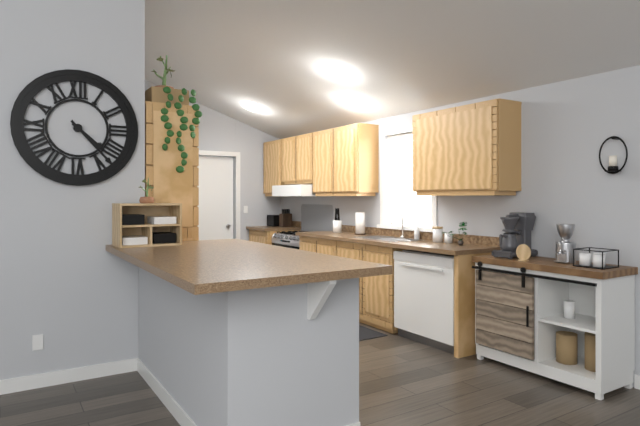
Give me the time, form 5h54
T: 4h23
